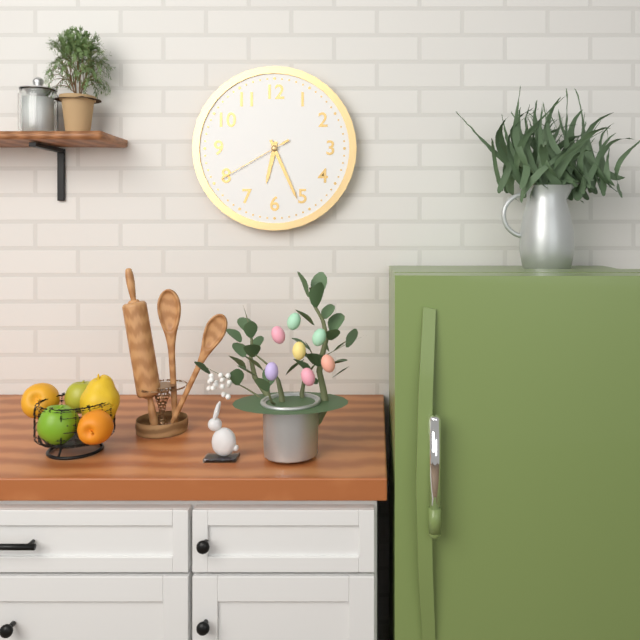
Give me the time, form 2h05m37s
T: 6h26m40s
